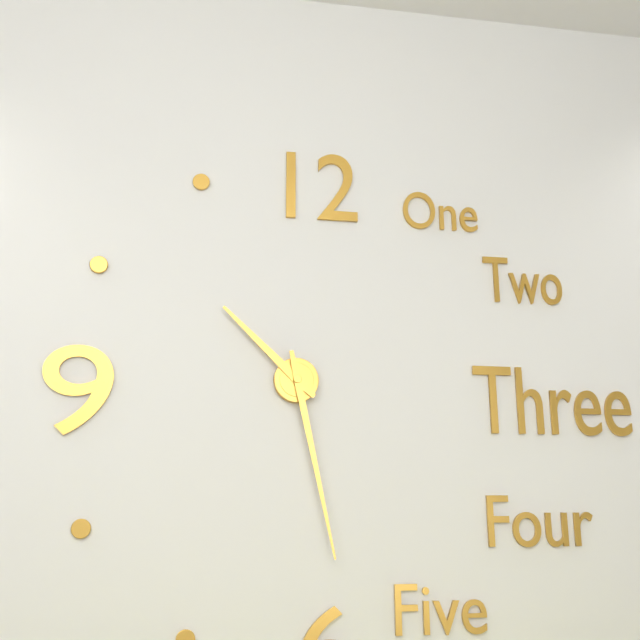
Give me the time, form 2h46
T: 10h28
